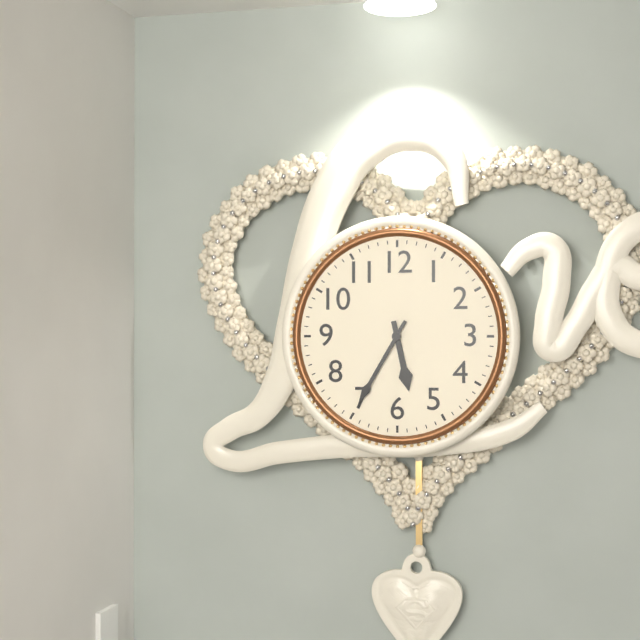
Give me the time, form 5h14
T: 5h35
